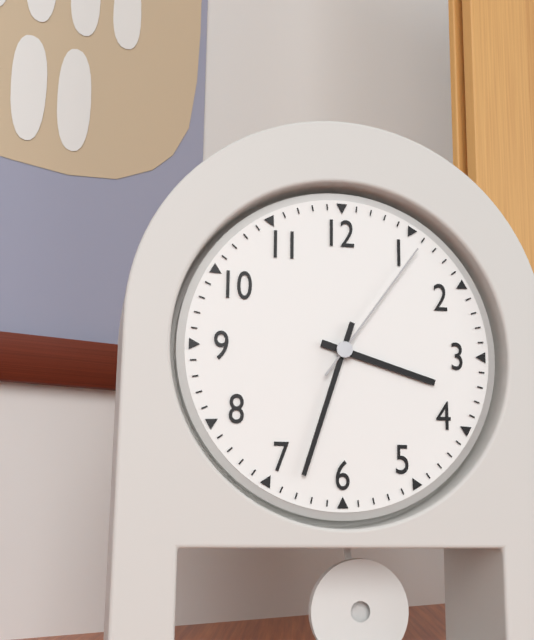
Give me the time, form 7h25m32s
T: 3h33m06s
